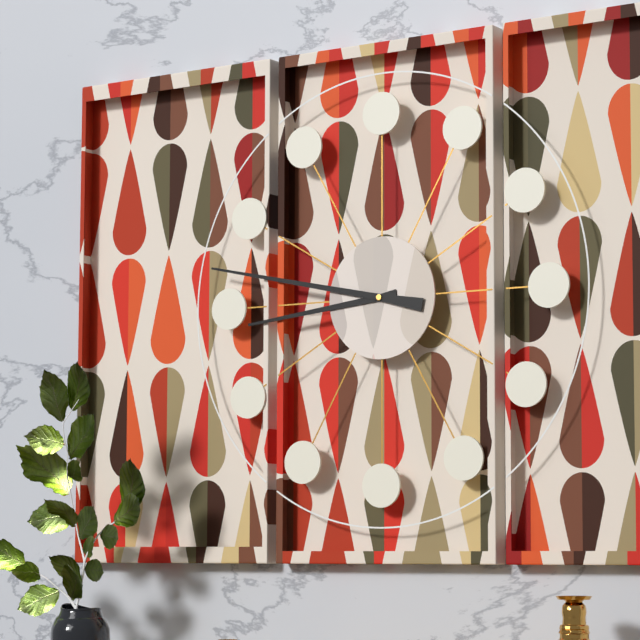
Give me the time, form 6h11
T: 8h47
